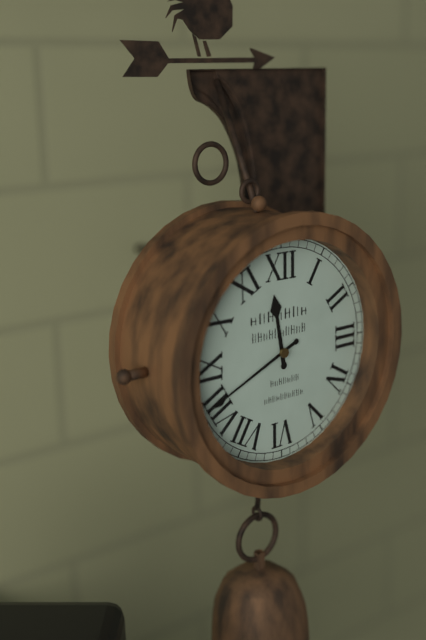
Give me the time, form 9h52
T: 11h41
